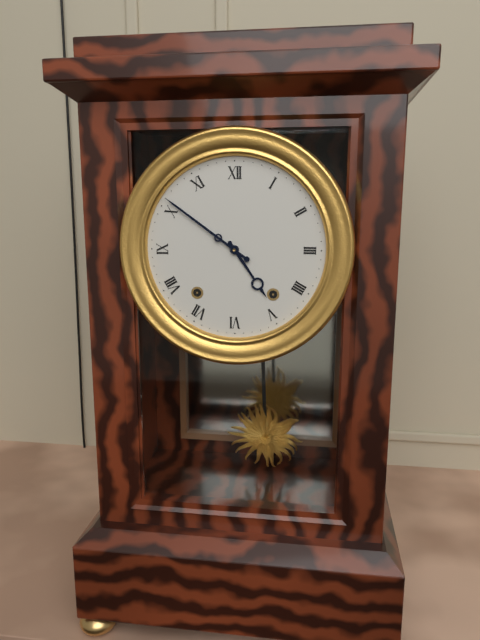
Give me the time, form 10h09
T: 4h51
